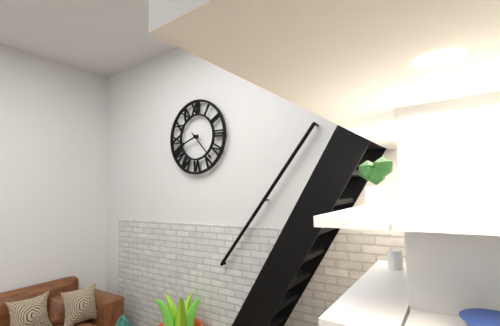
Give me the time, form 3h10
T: 8h23
